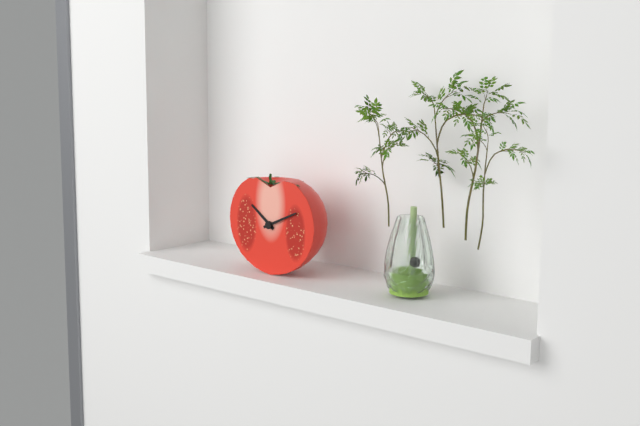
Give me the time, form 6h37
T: 10h11
